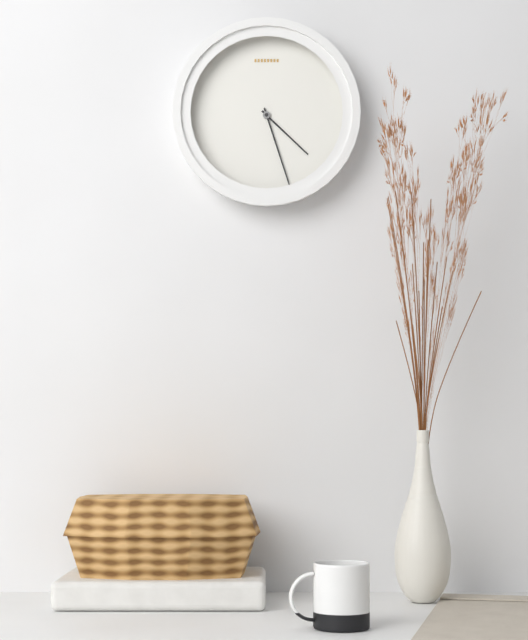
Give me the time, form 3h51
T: 4h27
